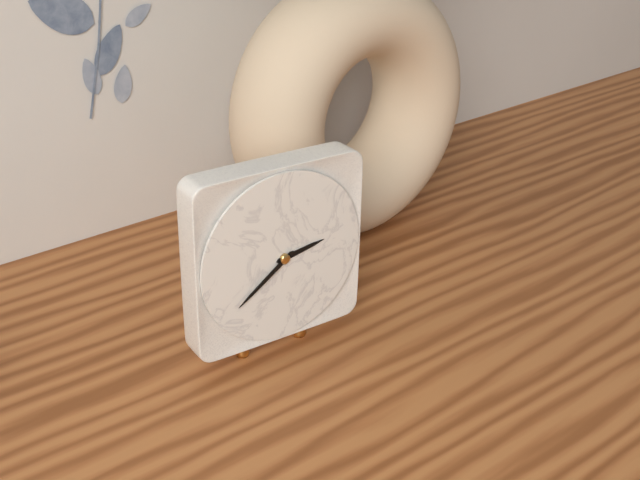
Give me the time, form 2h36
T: 2h39
